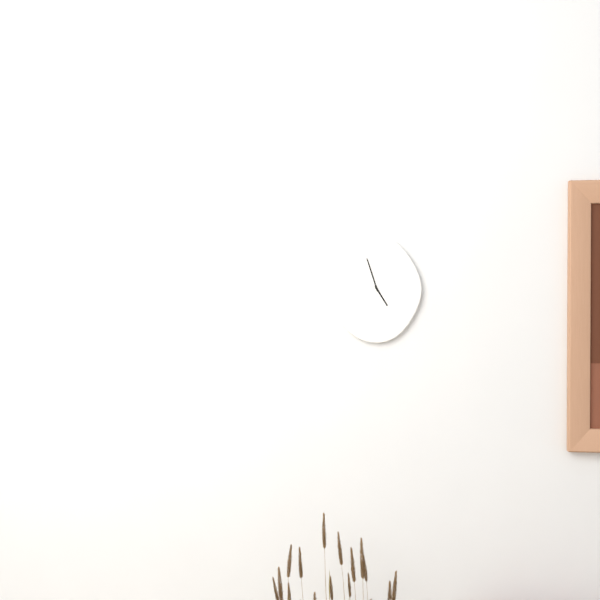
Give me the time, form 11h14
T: 4h57
